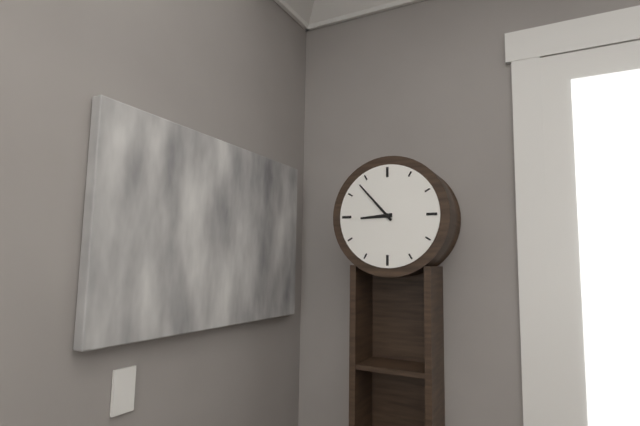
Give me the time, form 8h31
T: 8h53
